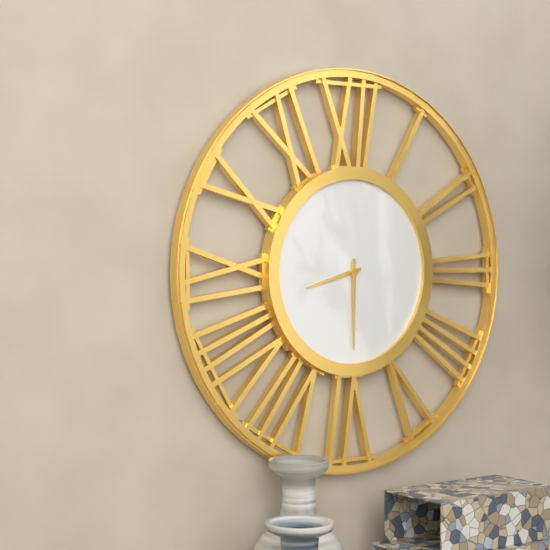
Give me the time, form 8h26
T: 8h30
